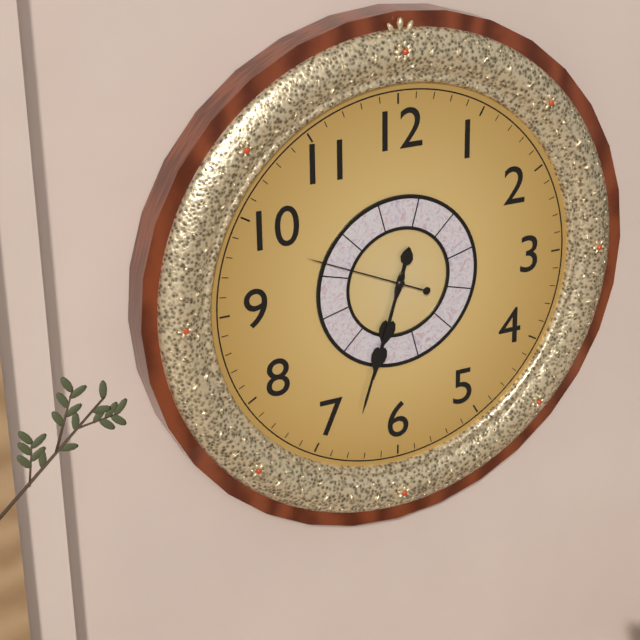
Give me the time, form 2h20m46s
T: 6h33m49s
